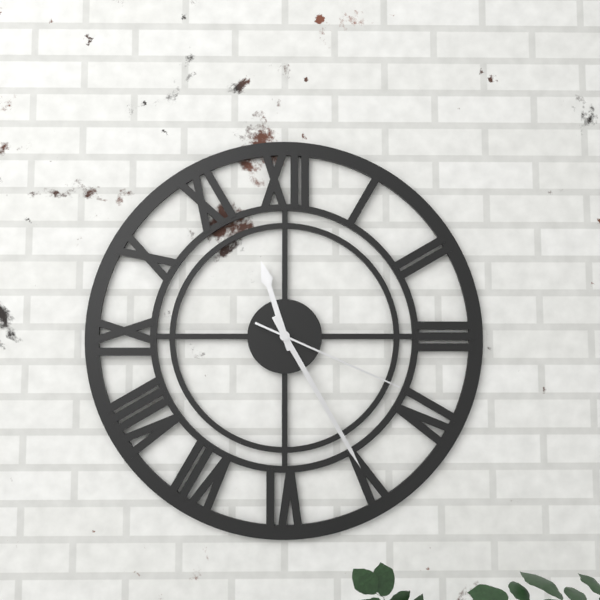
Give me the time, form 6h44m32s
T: 11h25m19s
